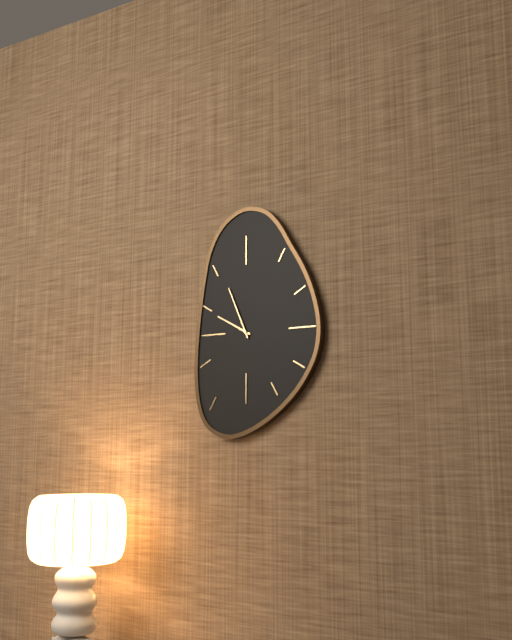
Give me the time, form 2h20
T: 9h56
